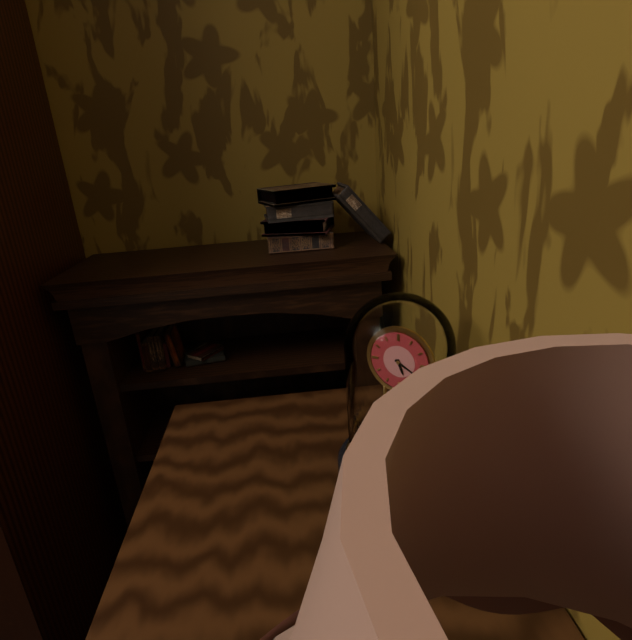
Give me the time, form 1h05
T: 5h20
